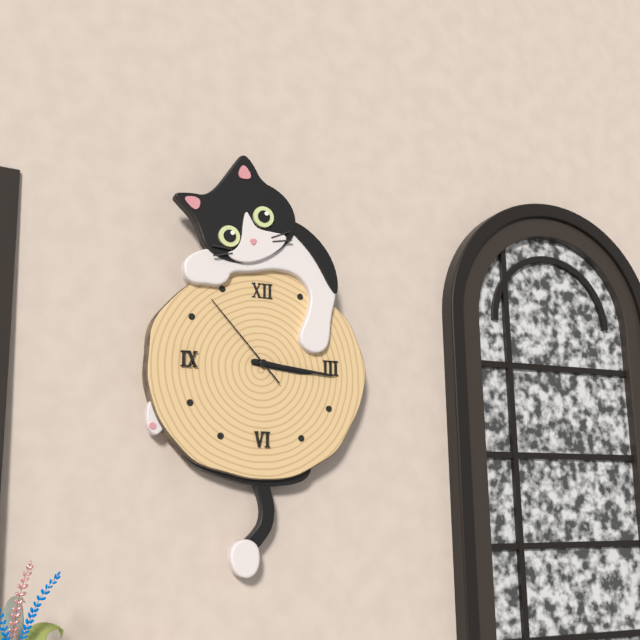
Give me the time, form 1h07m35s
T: 3h16m53s
